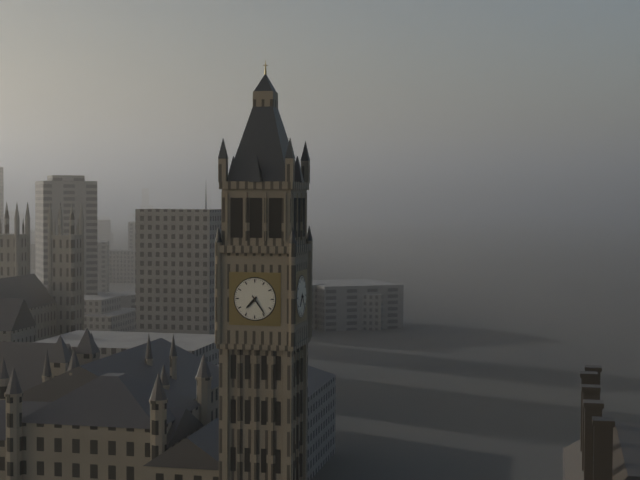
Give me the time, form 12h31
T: 7h24
